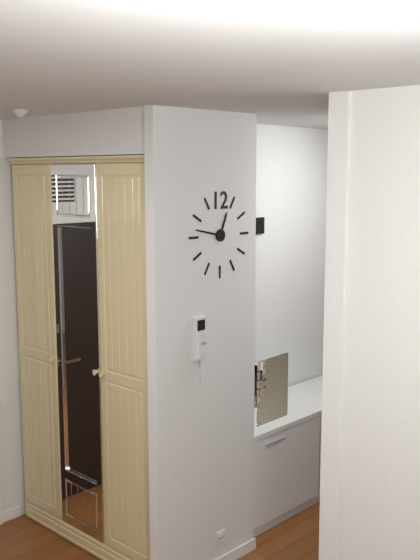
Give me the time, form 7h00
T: 12h47
